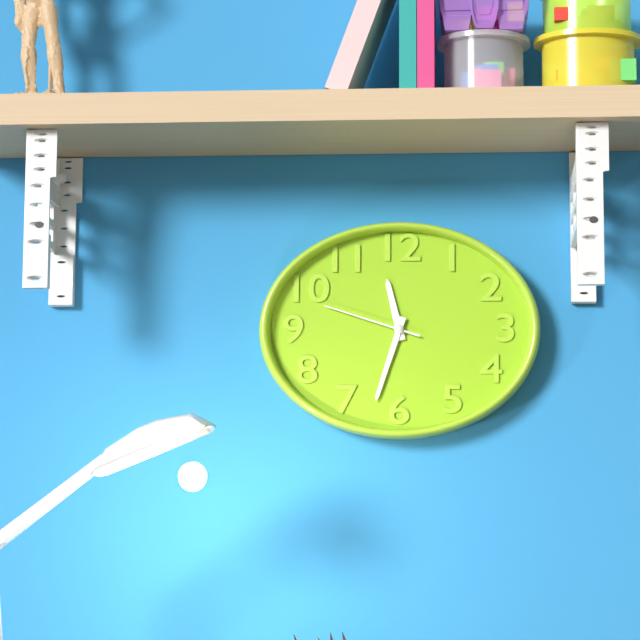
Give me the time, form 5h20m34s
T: 11h33m48s
